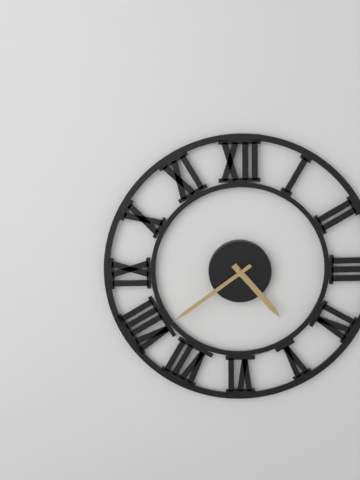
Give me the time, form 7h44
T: 4h39
